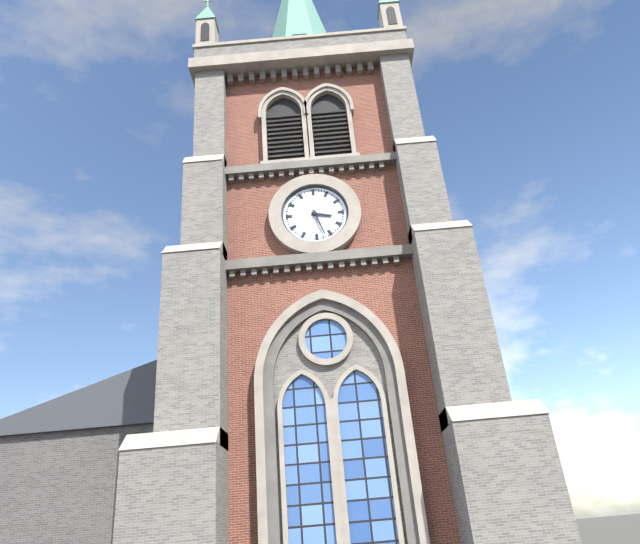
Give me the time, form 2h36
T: 3h27
